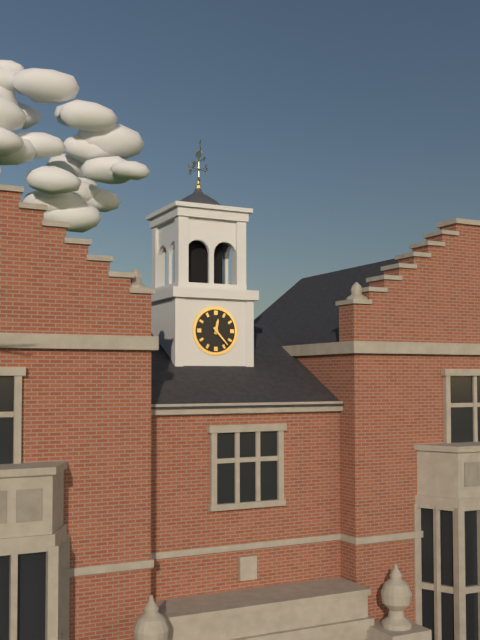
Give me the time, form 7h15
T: 12h23
